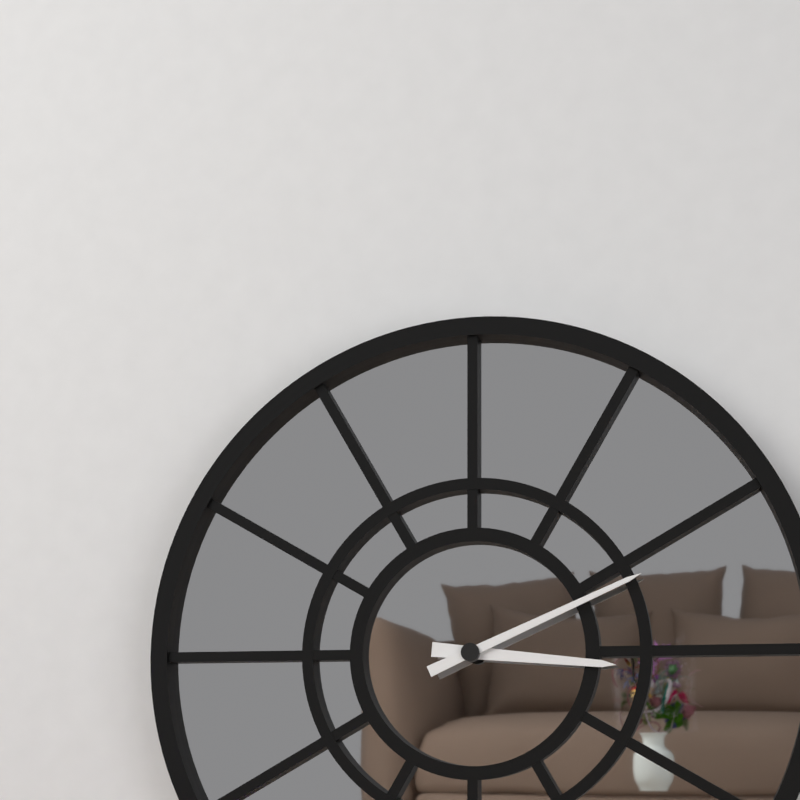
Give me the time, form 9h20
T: 3h11
